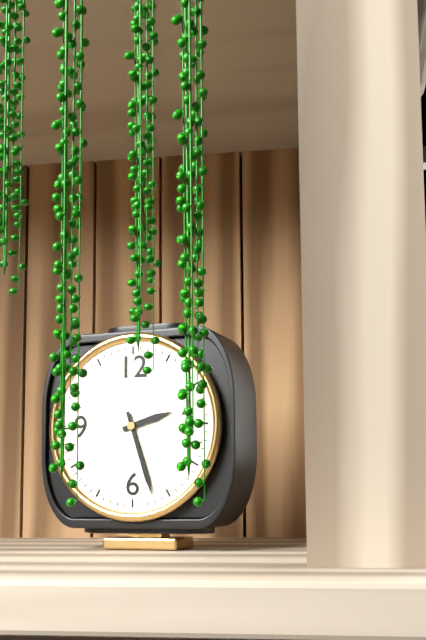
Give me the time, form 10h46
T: 2h27
